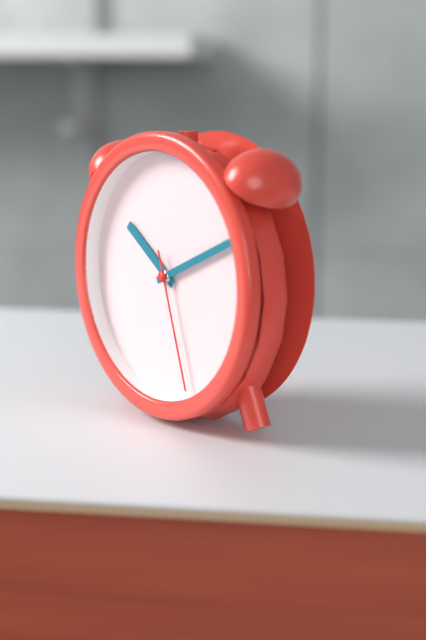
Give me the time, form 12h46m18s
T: 10h11m27s
